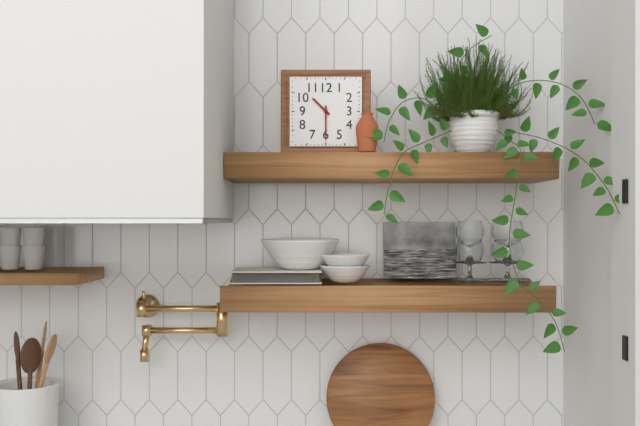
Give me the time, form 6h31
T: 10h30
